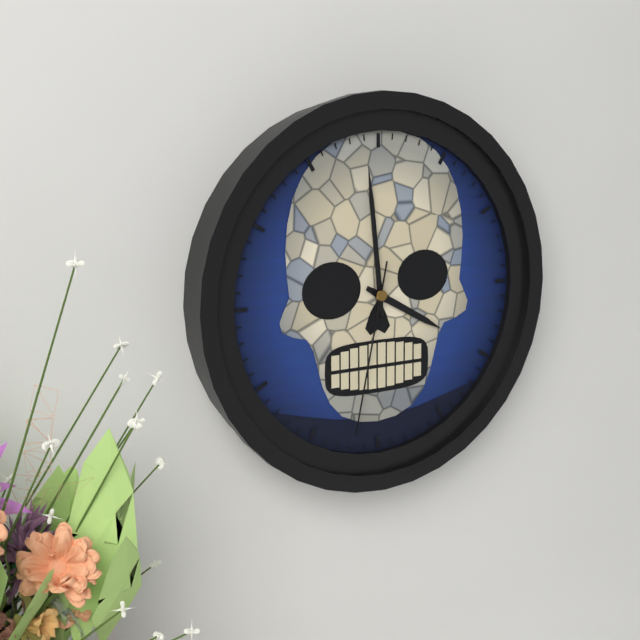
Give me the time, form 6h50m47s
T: 3h59m32s
